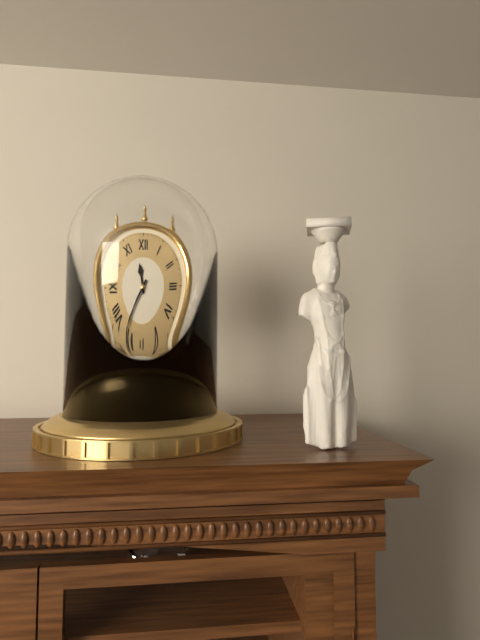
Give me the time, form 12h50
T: 11h36
